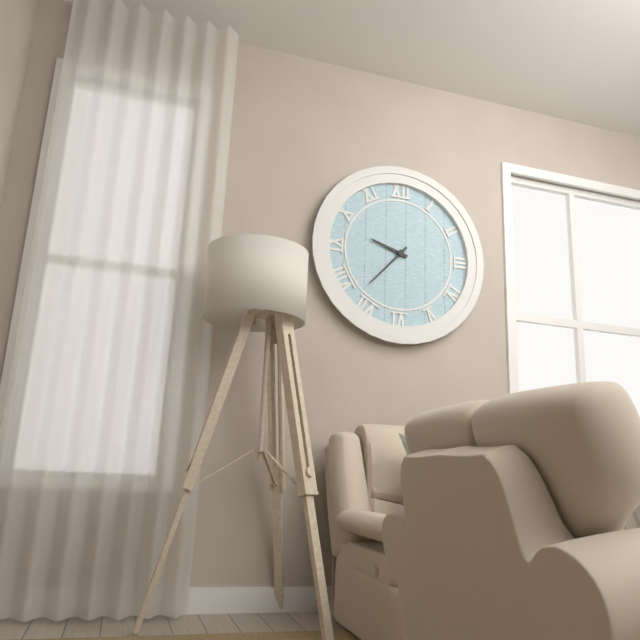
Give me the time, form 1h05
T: 9h37
